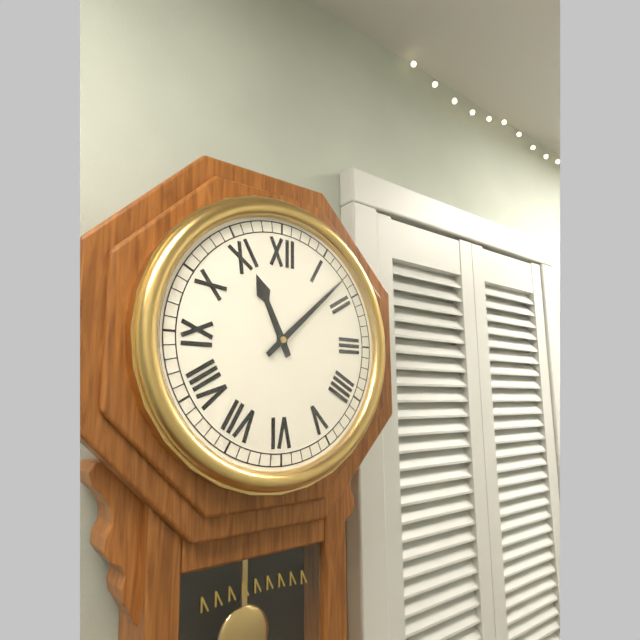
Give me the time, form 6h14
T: 11h08
